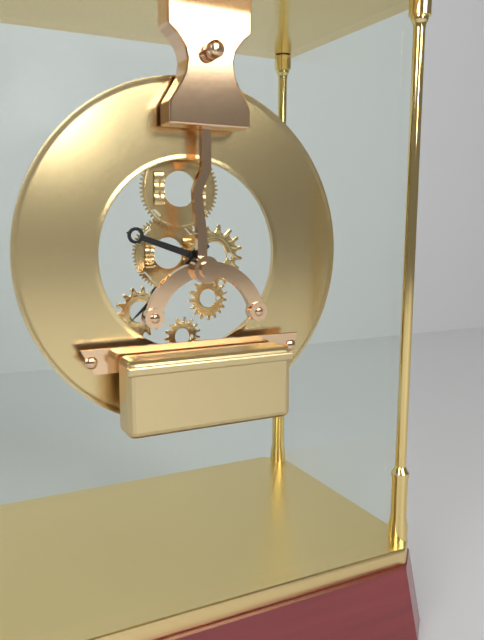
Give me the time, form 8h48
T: 9h38
